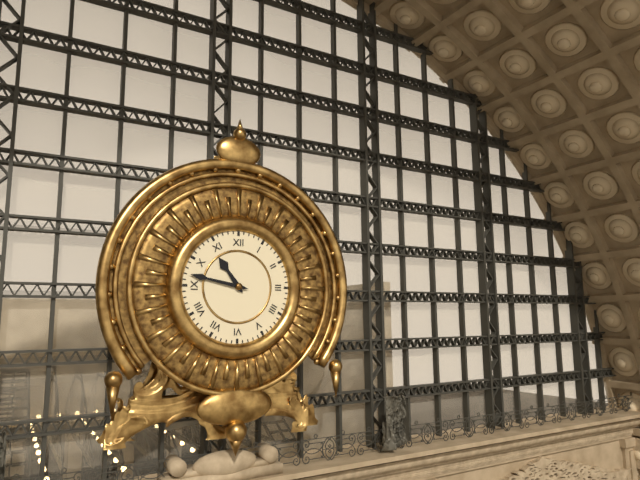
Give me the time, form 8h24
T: 10h47
